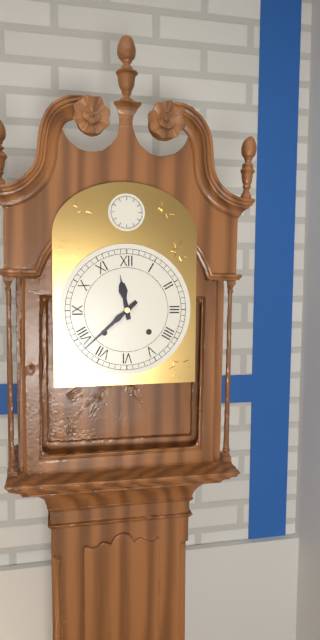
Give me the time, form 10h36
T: 11h38
